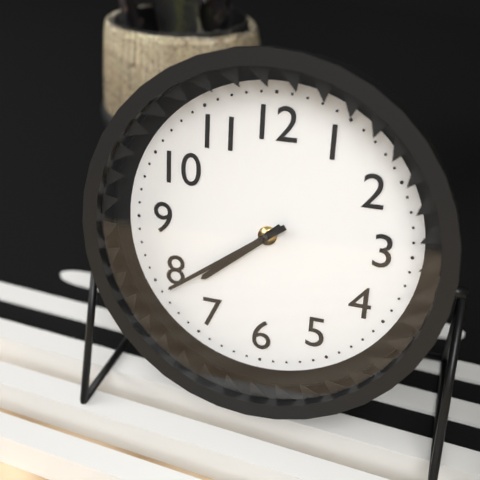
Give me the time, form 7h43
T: 7h39
